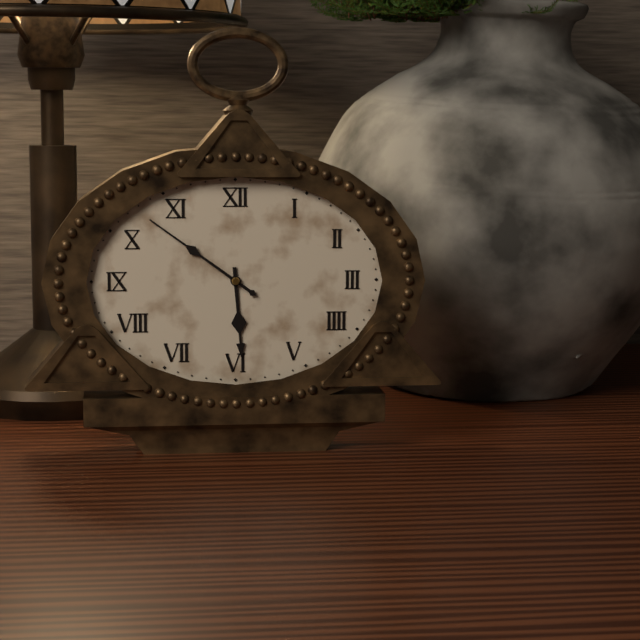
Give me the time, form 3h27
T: 5h51
